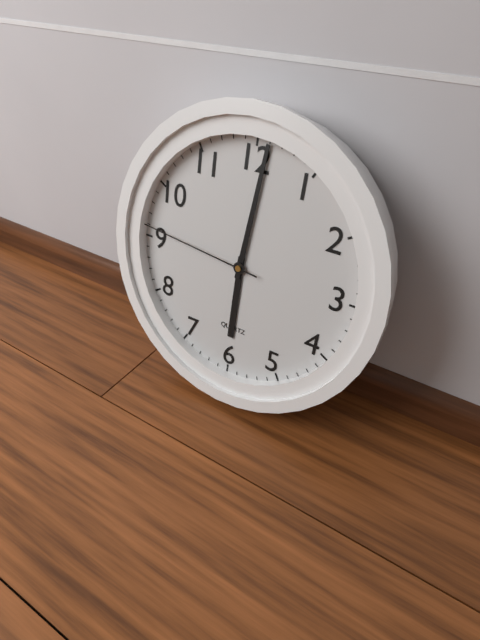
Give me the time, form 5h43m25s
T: 6h01m46s
